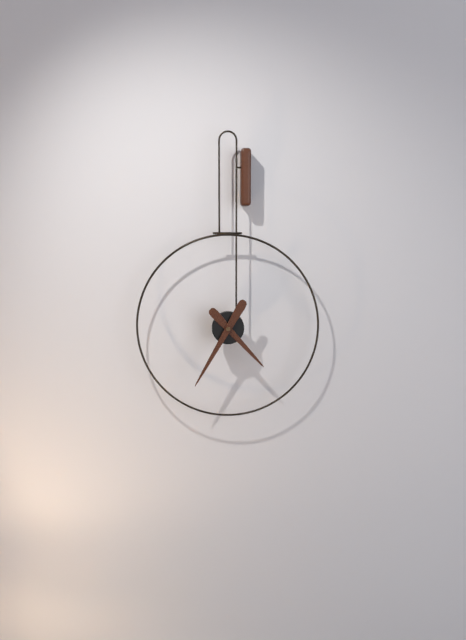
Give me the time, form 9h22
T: 4h35
